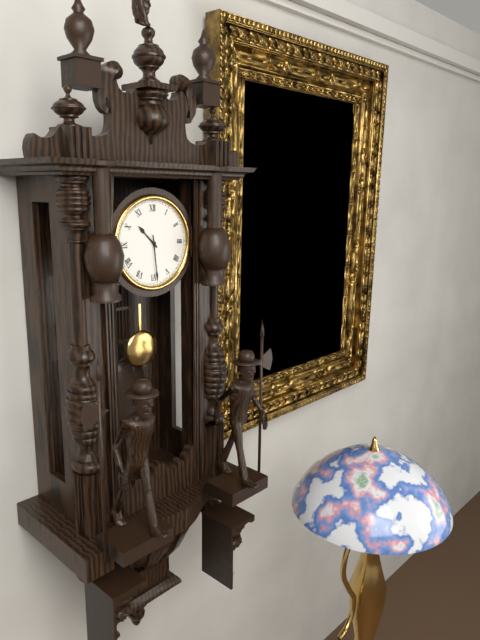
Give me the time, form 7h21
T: 10h29
